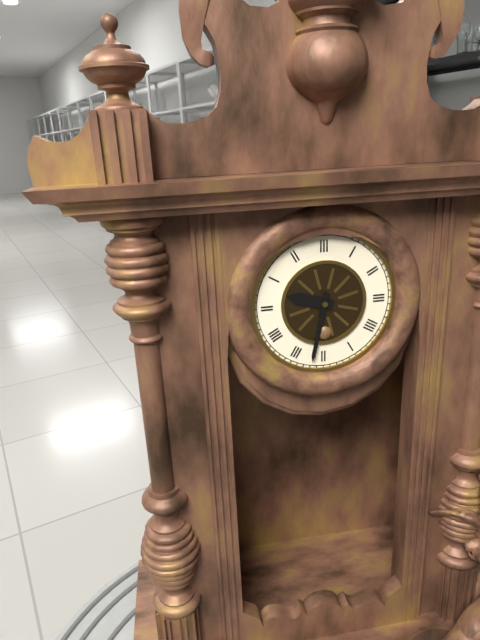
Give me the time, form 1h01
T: 9h32
